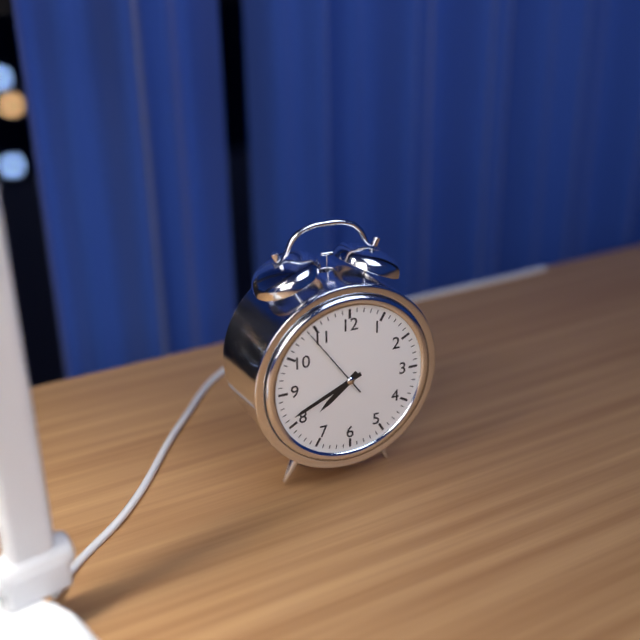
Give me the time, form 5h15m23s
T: 7h41m54s
